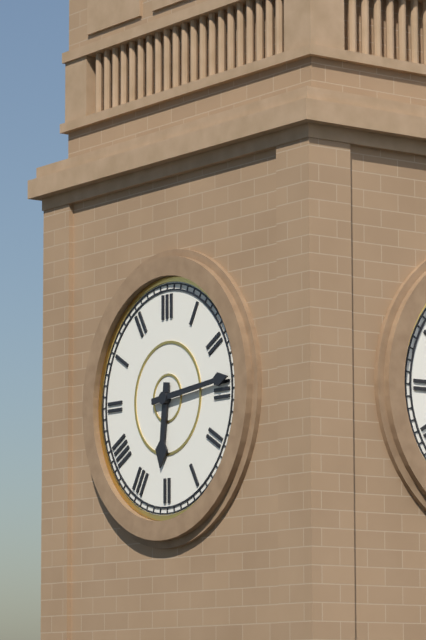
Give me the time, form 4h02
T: 6h14
